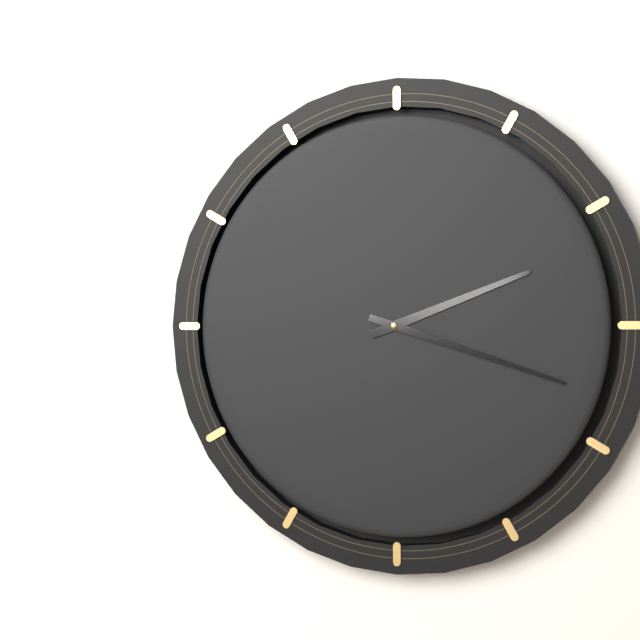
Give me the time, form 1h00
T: 2h18
